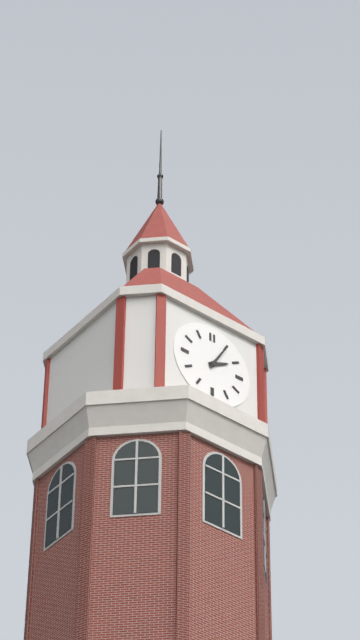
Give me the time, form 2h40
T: 2h05
